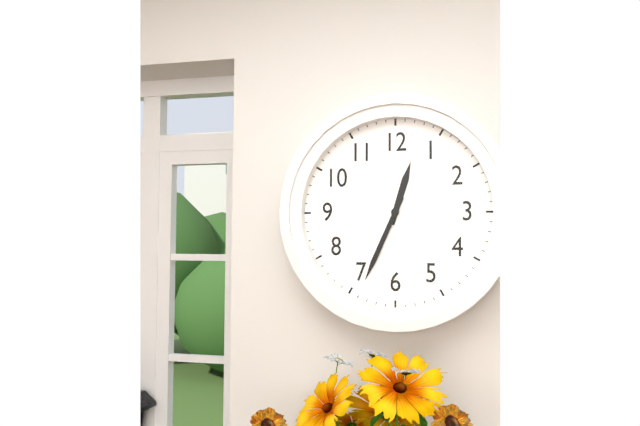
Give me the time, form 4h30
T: 12h34
